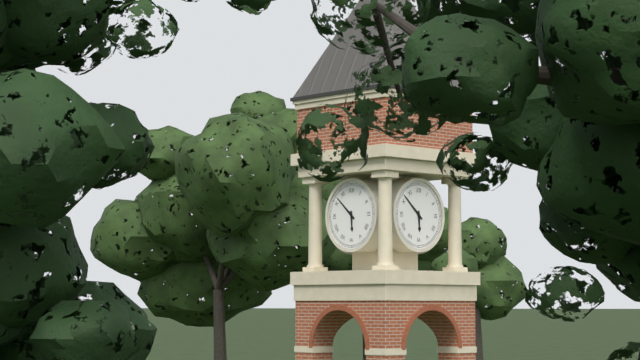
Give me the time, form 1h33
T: 5h52
